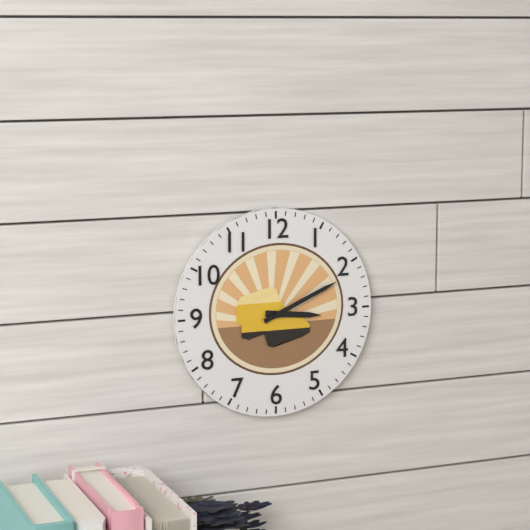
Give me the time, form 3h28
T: 3h11
